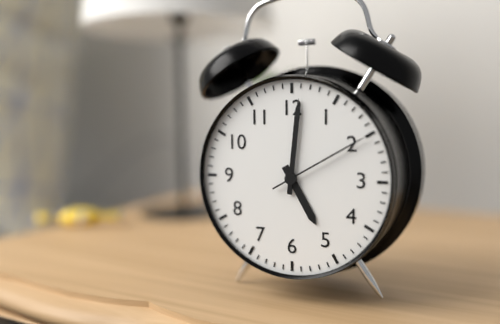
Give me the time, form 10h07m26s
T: 5h01m10s
